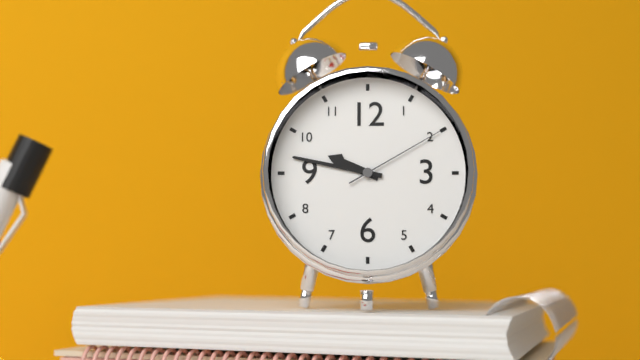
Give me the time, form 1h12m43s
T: 9h47m10s
